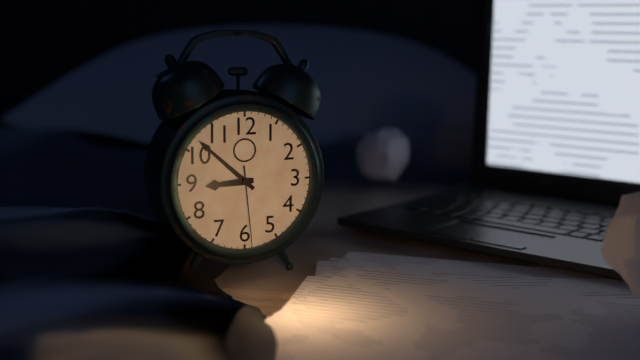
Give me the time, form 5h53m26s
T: 8h52m29s
